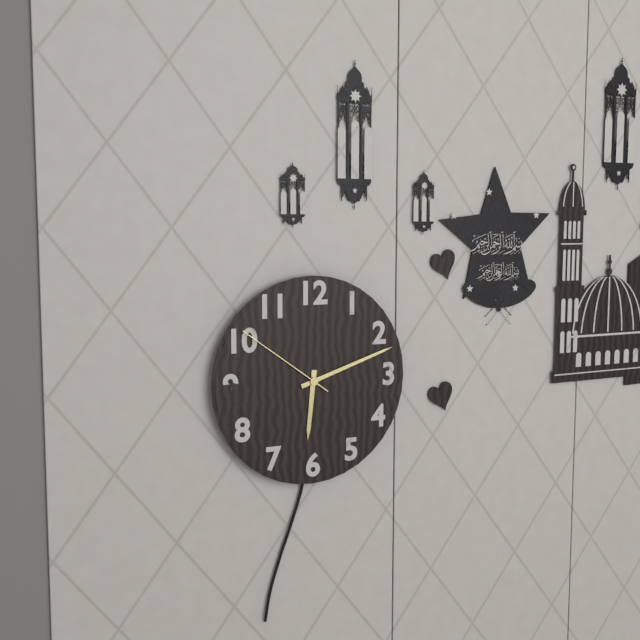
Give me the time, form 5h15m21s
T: 6h12m51s
